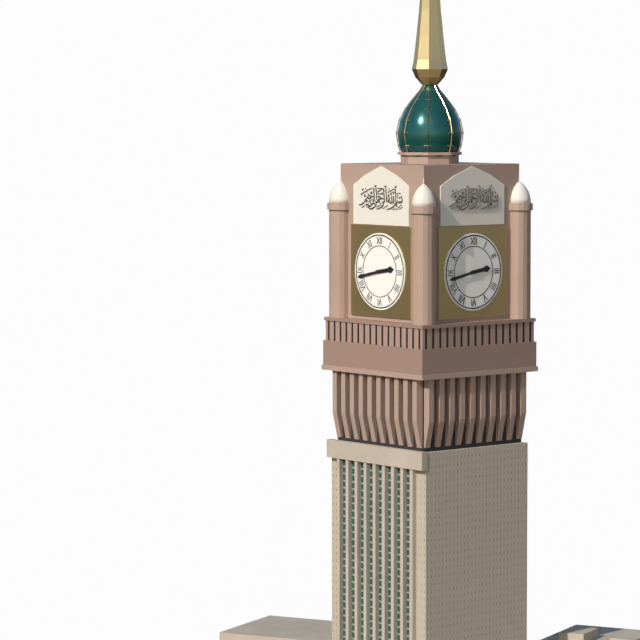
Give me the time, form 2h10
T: 2h43
